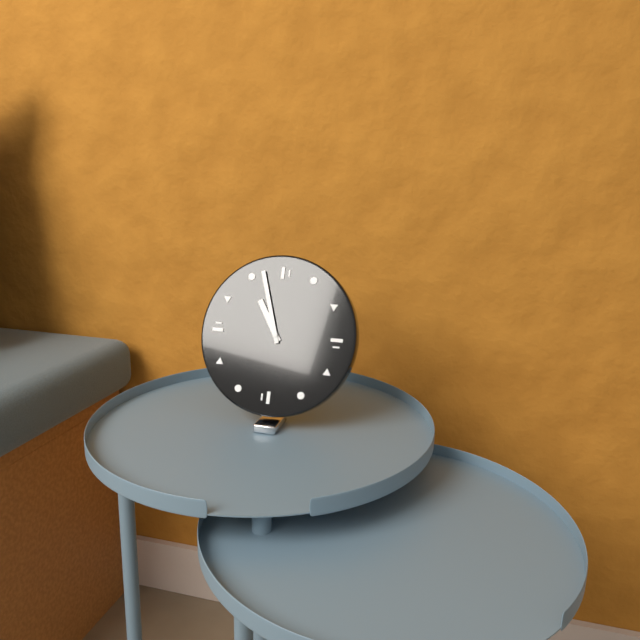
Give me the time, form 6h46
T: 10h57
